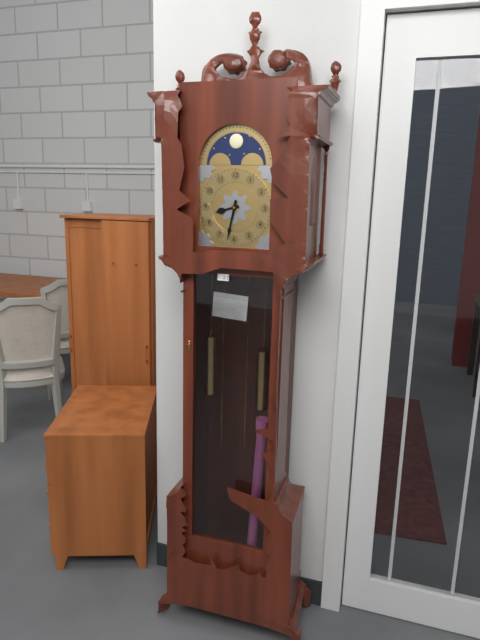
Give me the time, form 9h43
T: 8h32
